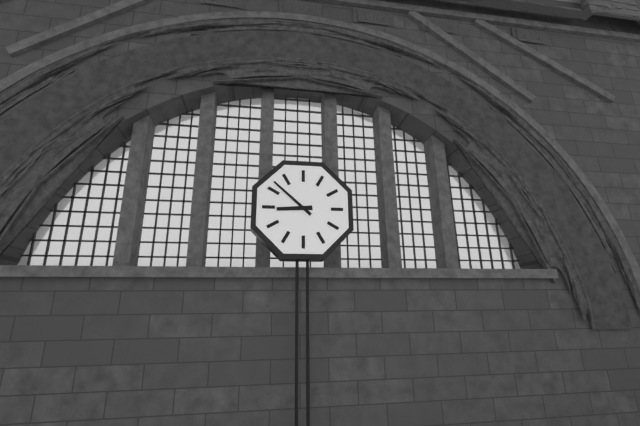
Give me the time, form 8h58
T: 8h52
